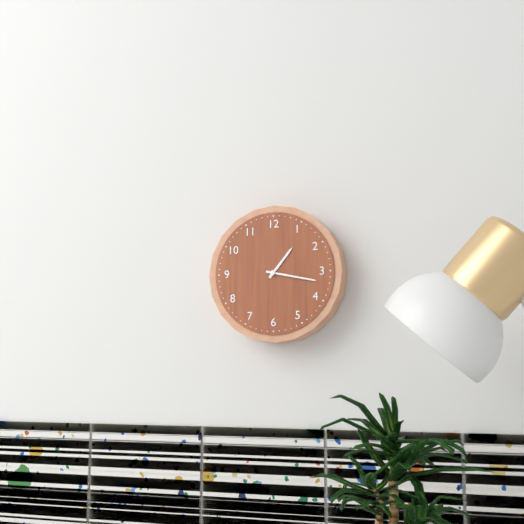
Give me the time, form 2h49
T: 1h17
